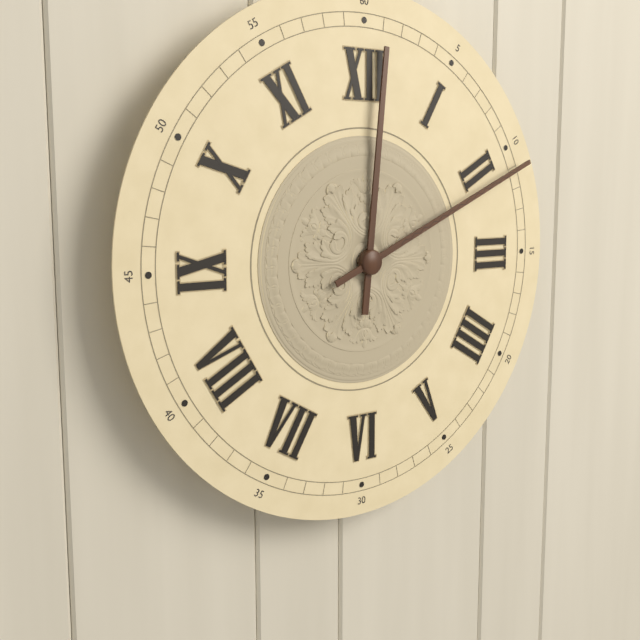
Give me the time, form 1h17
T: 12h11
